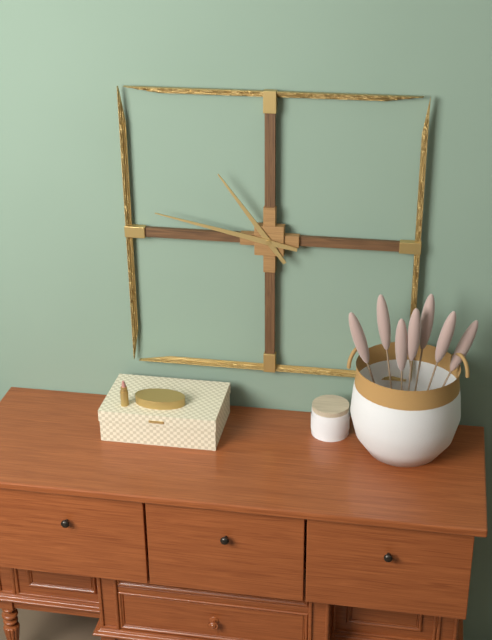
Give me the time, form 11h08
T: 10h47
